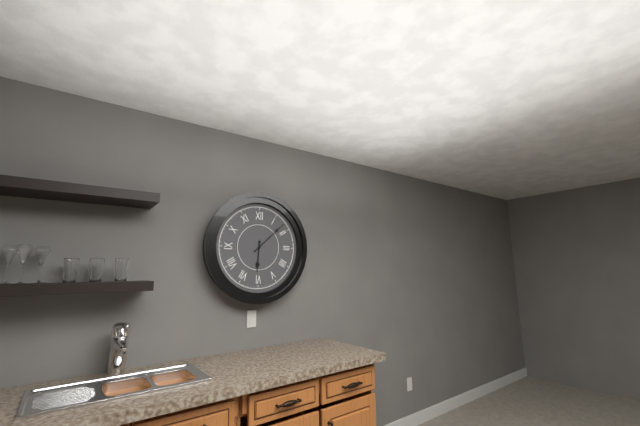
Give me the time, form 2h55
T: 6h08
